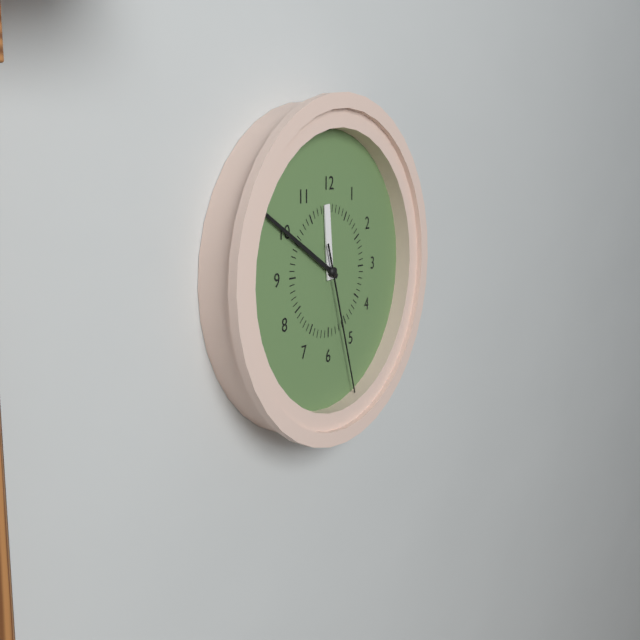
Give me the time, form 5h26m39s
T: 11h50m27s
